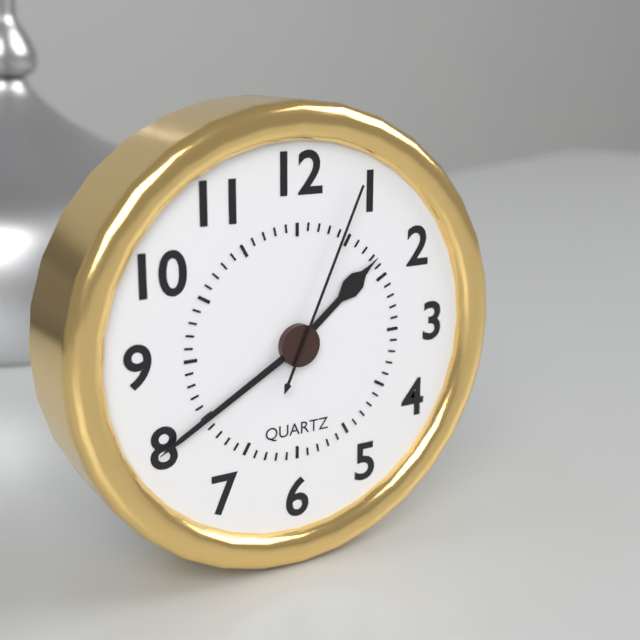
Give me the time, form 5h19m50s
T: 1h40m04s
